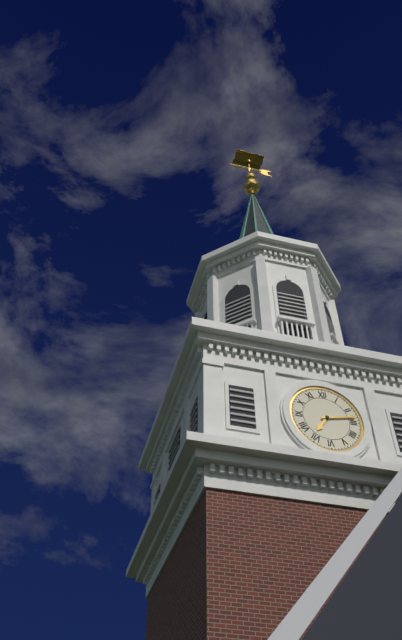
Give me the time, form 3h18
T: 7h13
